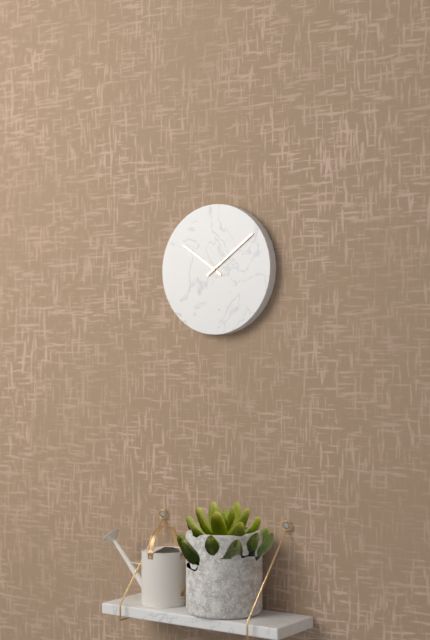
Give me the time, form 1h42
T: 10h09
